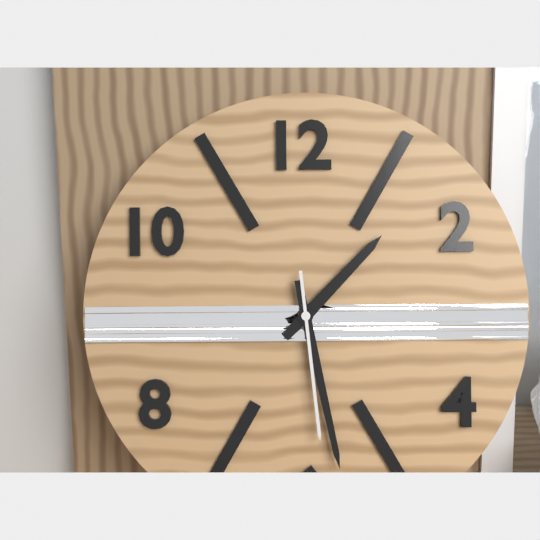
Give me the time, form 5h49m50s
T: 1h28m29s
